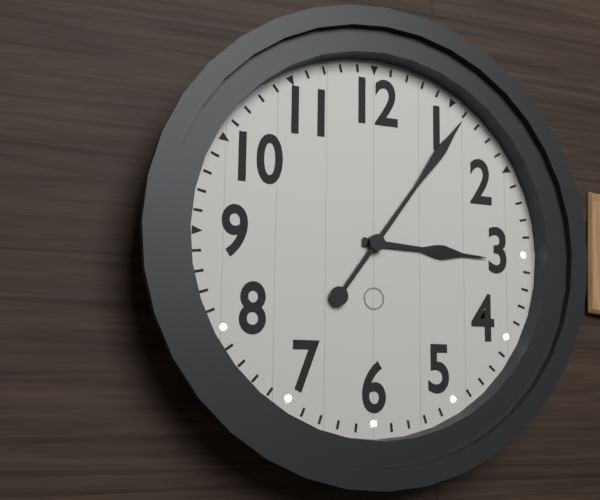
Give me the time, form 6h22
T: 3h06
